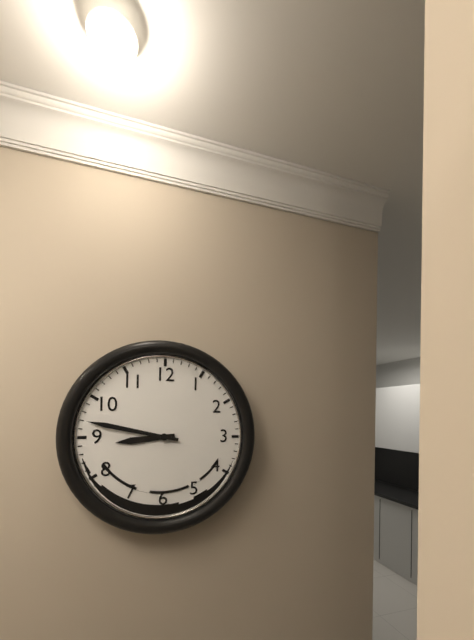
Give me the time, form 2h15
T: 8h47
